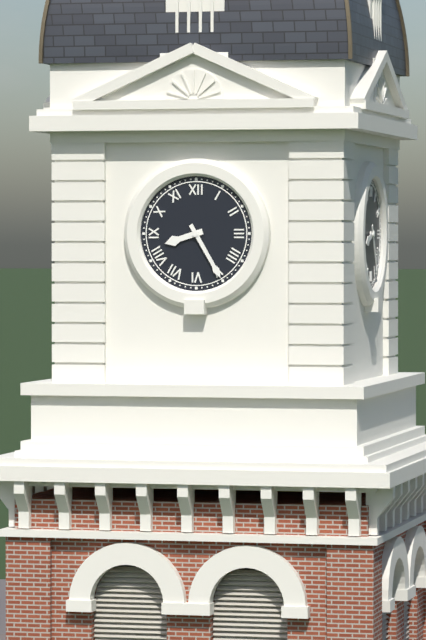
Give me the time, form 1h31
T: 8h25
